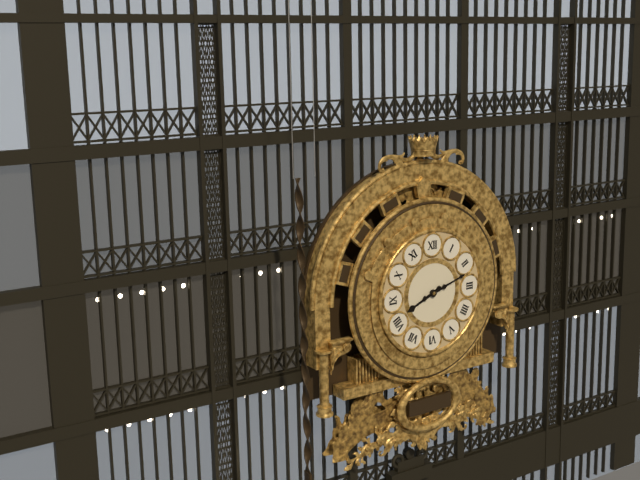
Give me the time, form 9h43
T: 8h12
